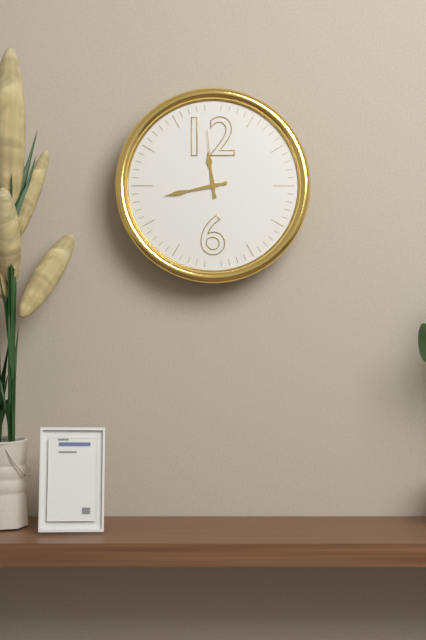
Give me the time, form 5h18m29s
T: 11h43m59s
